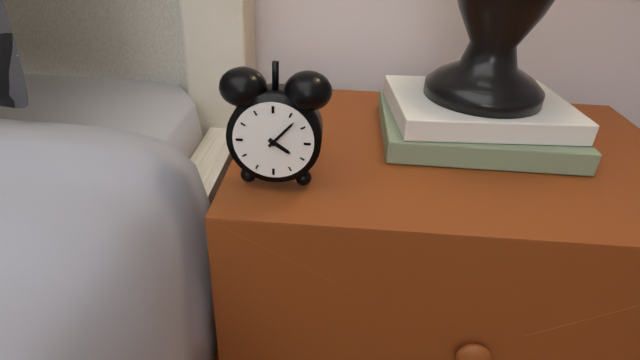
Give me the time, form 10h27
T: 4h07
